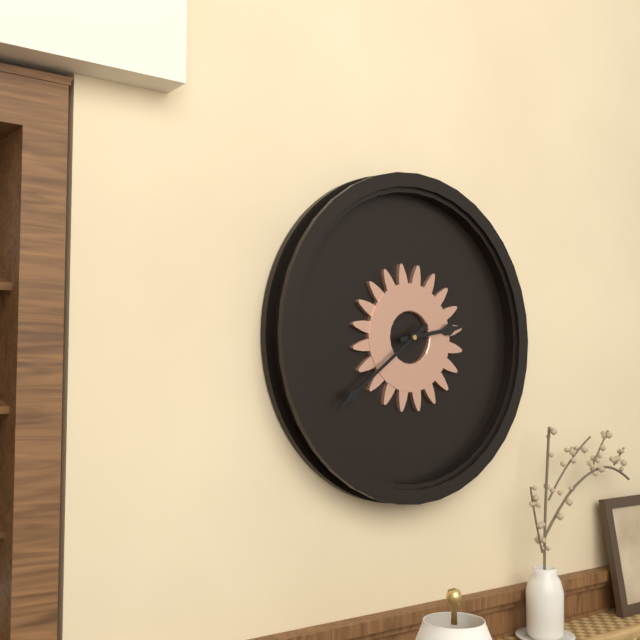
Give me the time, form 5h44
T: 2h39
